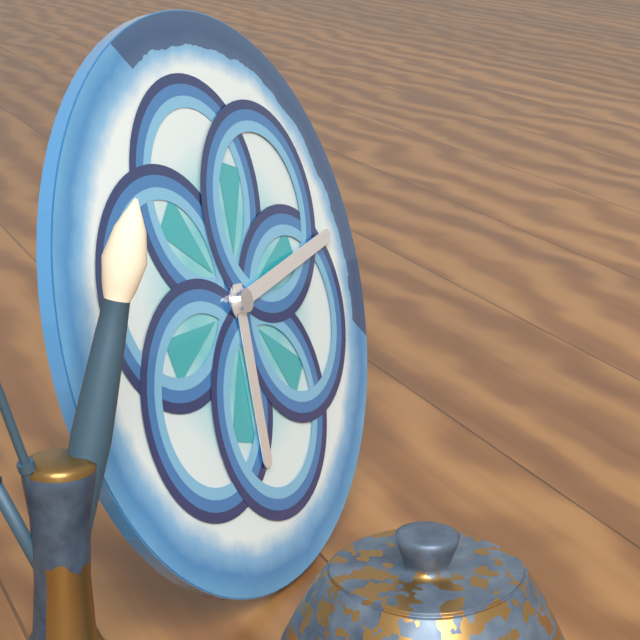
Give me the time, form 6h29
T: 6h14
